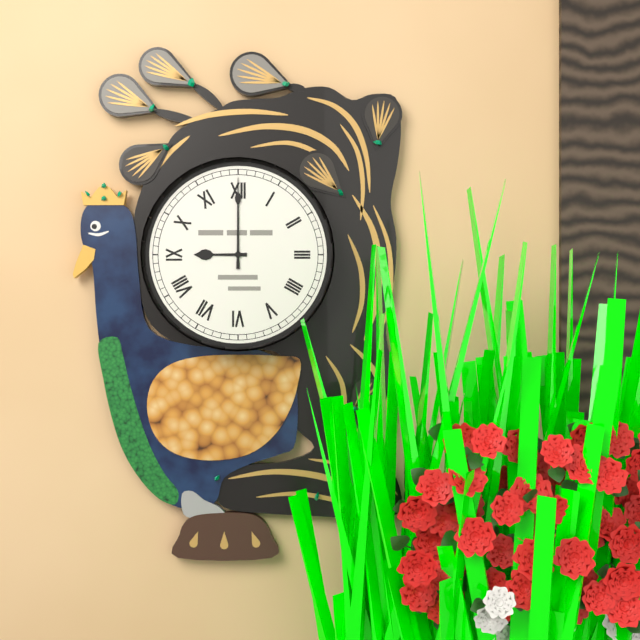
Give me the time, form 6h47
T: 9h00
